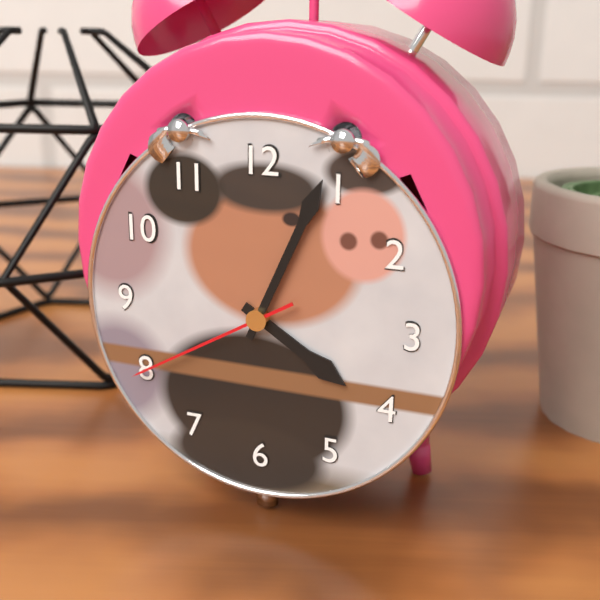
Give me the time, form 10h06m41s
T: 4h04m40s
